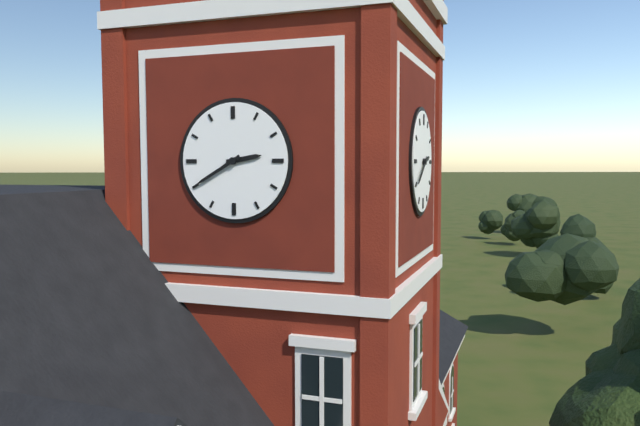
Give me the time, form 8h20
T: 2h40
